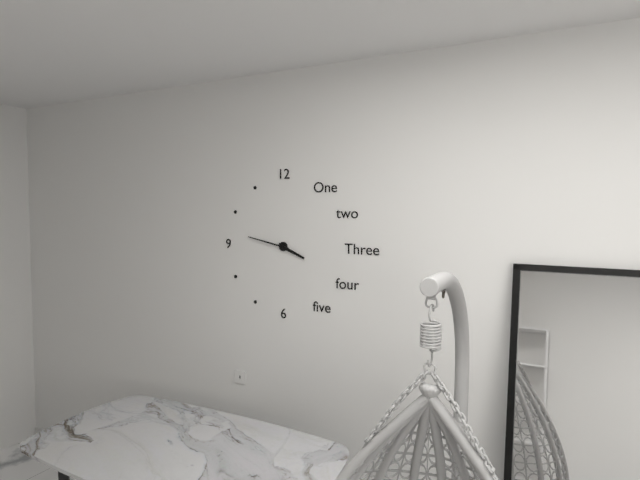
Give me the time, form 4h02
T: 3h47
